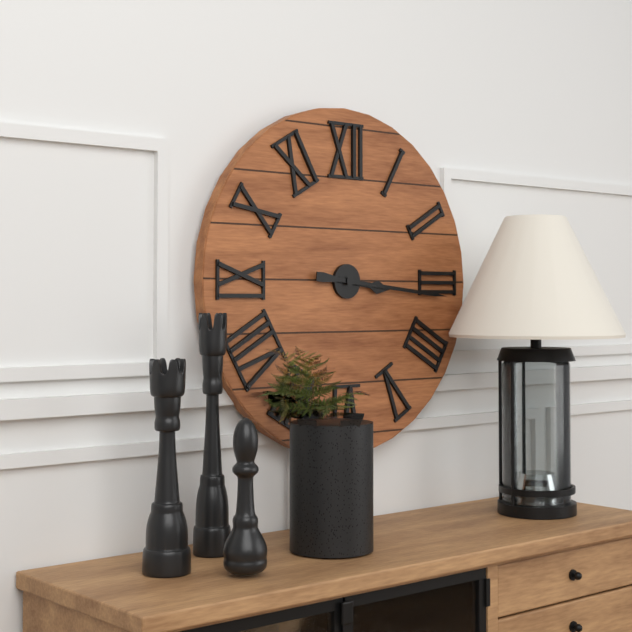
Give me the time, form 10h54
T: 3h16
